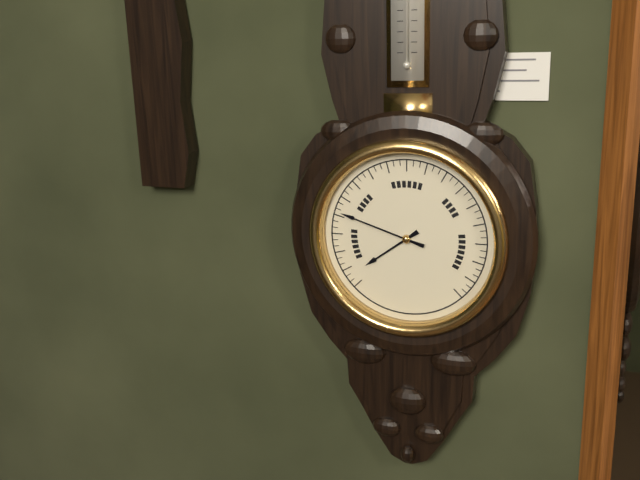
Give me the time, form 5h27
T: 7h48
